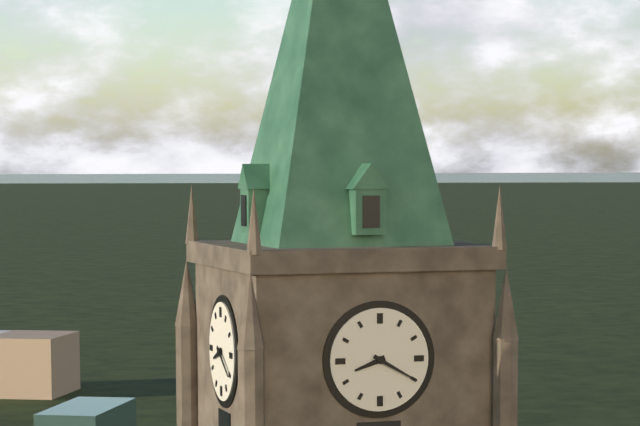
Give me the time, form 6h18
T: 8h20
